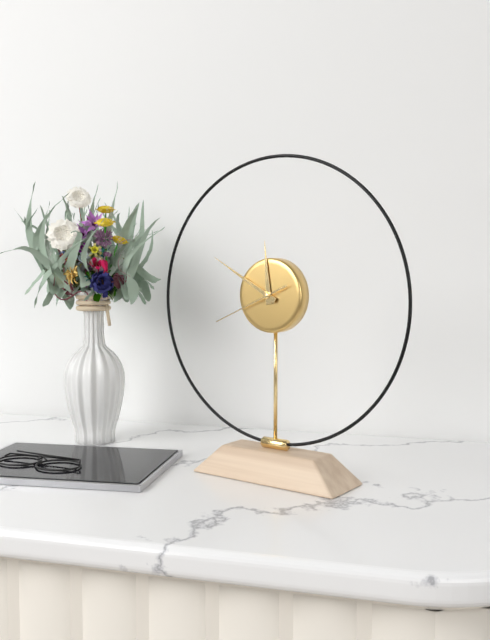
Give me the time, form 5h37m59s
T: 11h50m41s
